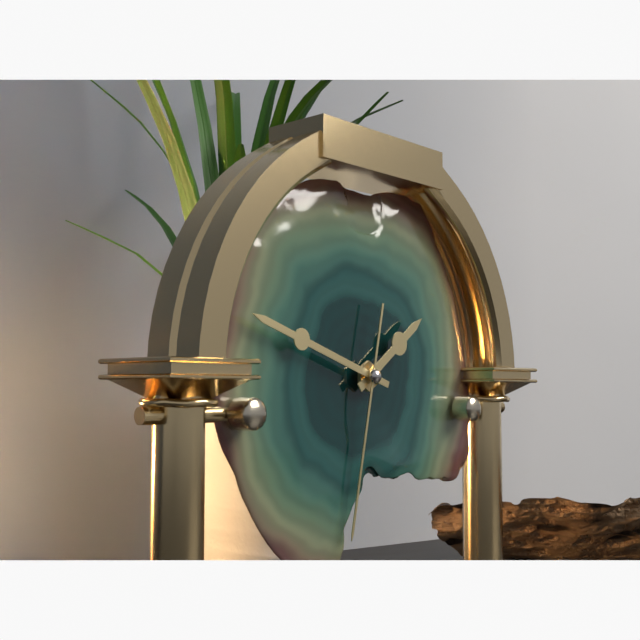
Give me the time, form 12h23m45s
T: 1h48m32s
